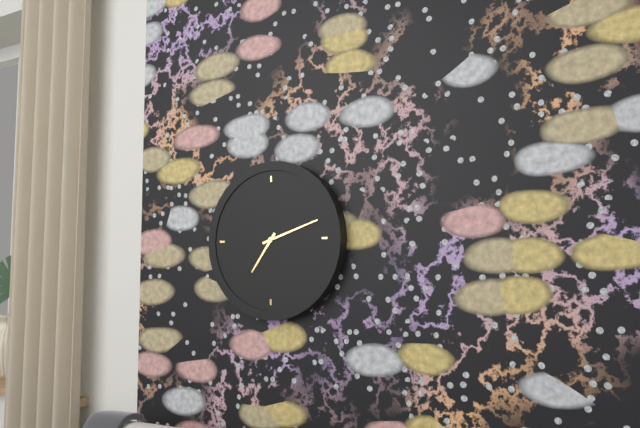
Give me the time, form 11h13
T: 7h12
